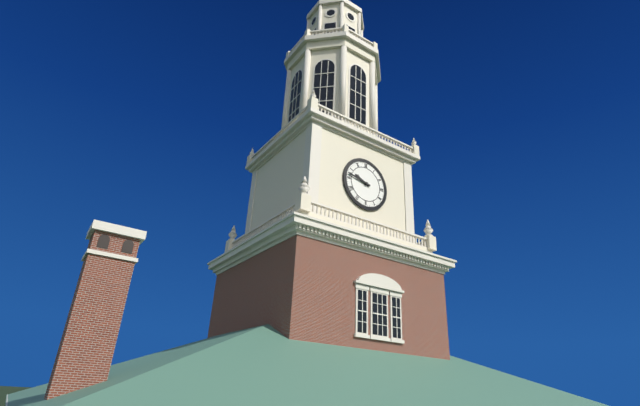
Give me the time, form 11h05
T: 9h47
